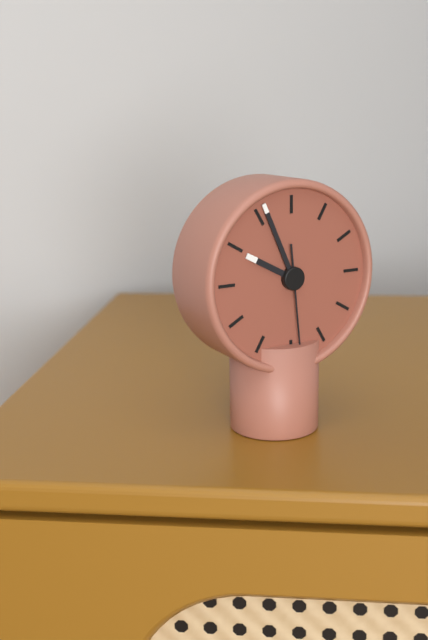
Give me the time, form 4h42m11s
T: 9h56m29s
